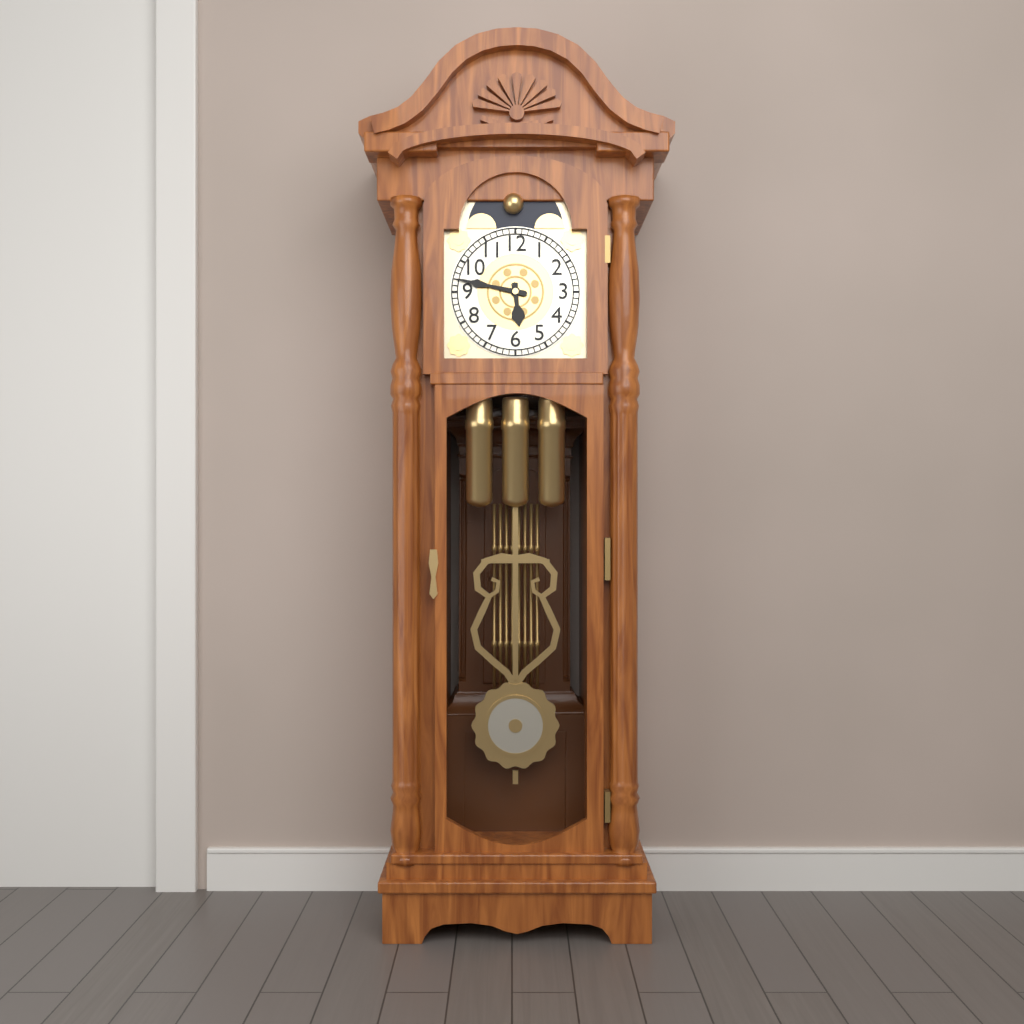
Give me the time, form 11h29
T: 5h47
